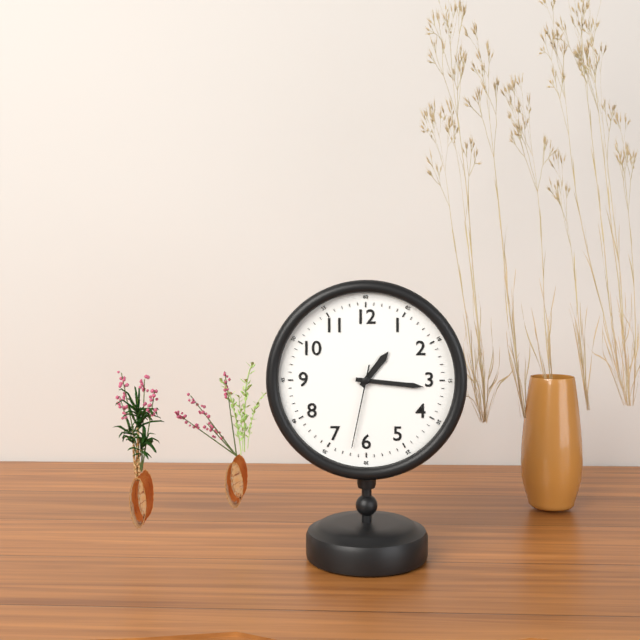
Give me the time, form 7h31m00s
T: 1h16m32s
